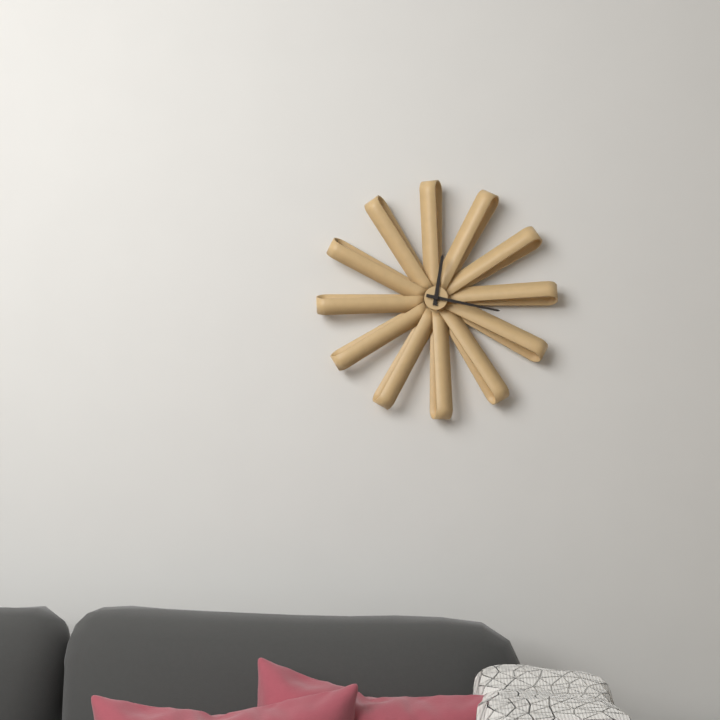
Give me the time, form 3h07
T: 12h17
